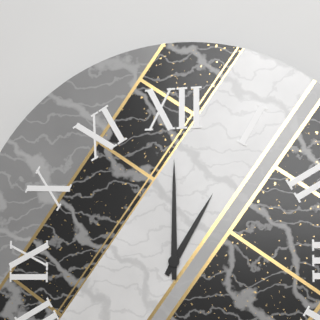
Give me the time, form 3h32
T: 1h00
